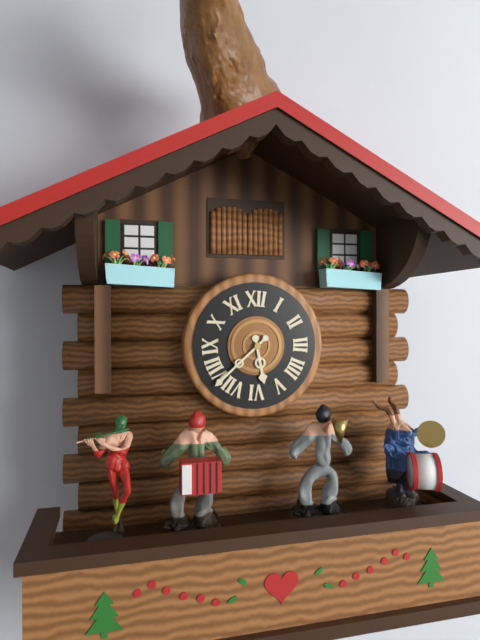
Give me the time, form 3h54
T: 5h38
